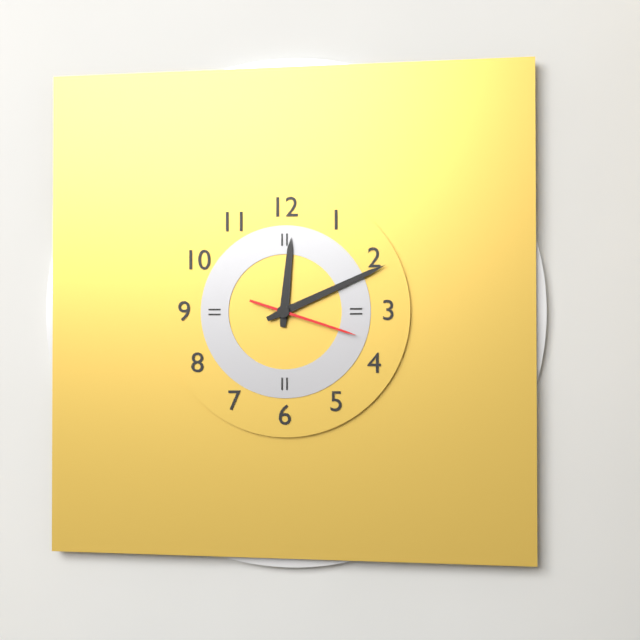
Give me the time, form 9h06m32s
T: 12h11m18s
